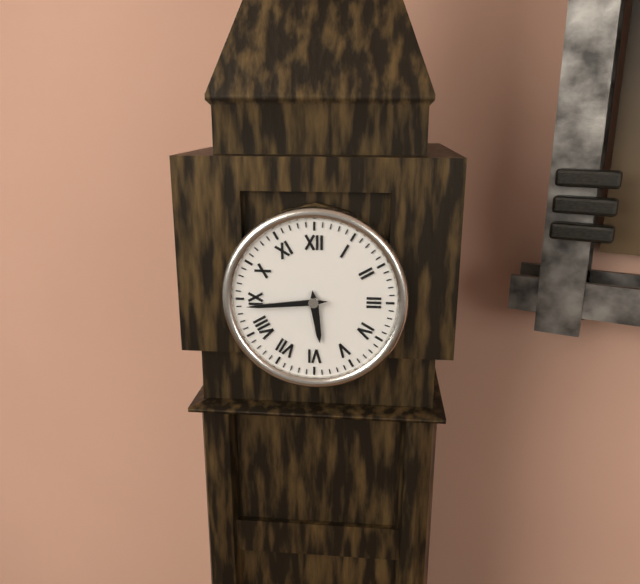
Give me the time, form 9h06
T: 5h44
